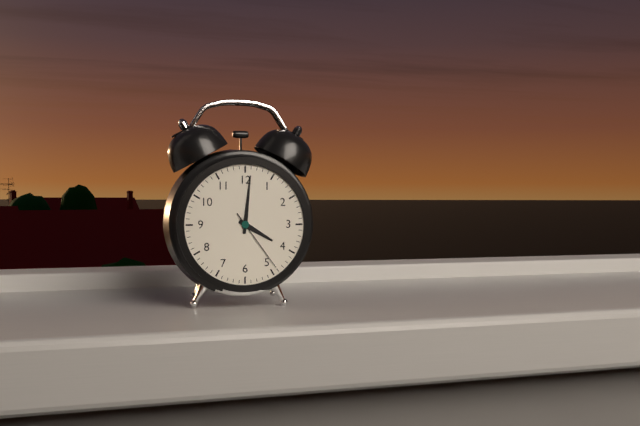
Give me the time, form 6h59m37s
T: 4h01m24s
